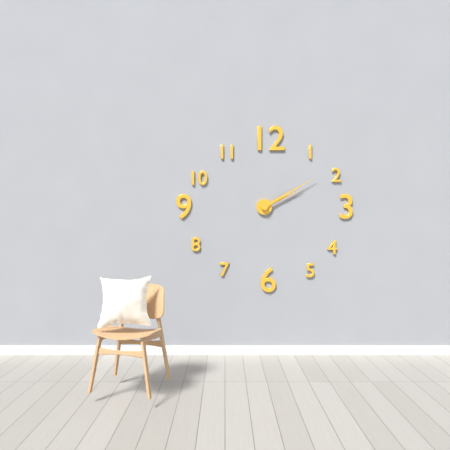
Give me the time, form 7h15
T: 2h10
